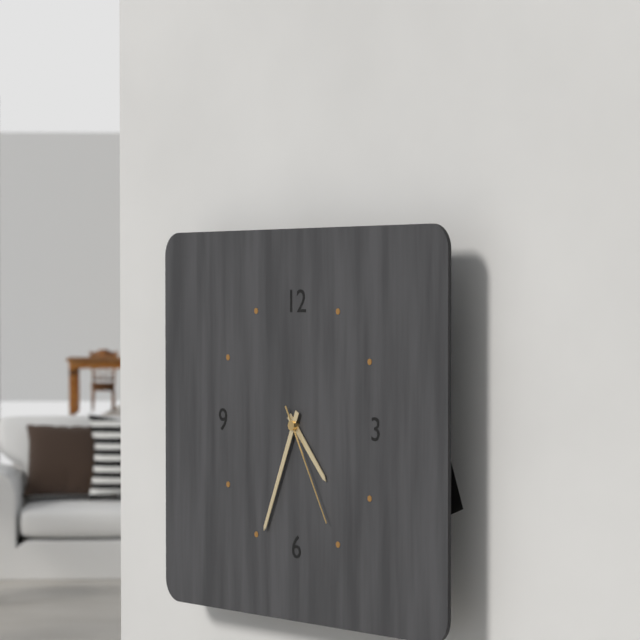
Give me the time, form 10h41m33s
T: 4h34m25s
